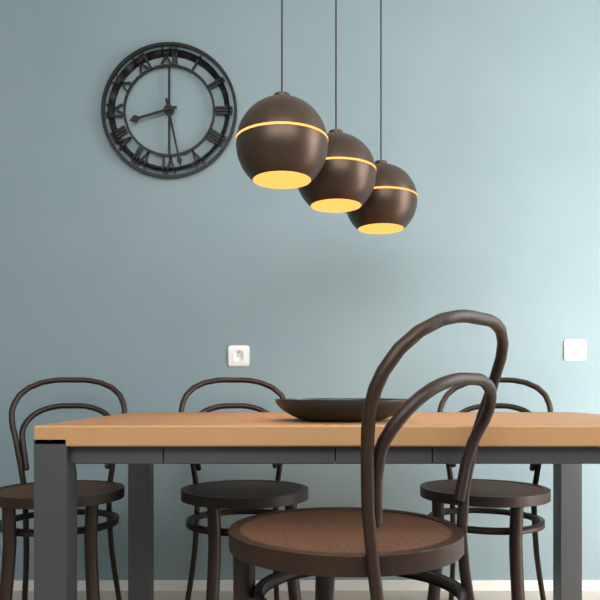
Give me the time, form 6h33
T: 8h28
